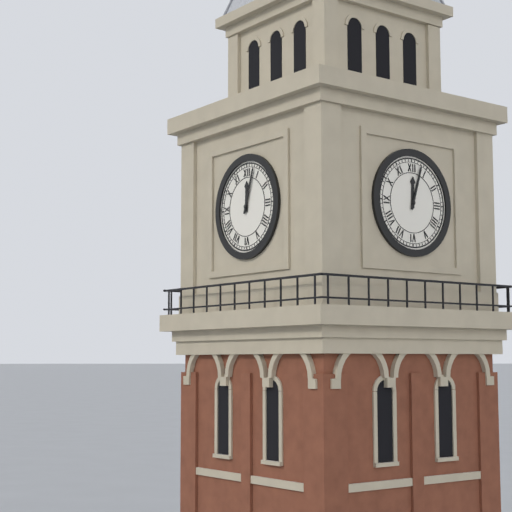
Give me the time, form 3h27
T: 12h03
